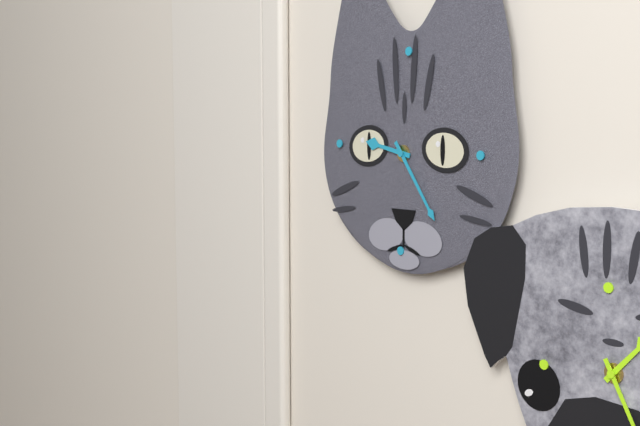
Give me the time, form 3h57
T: 9h24
